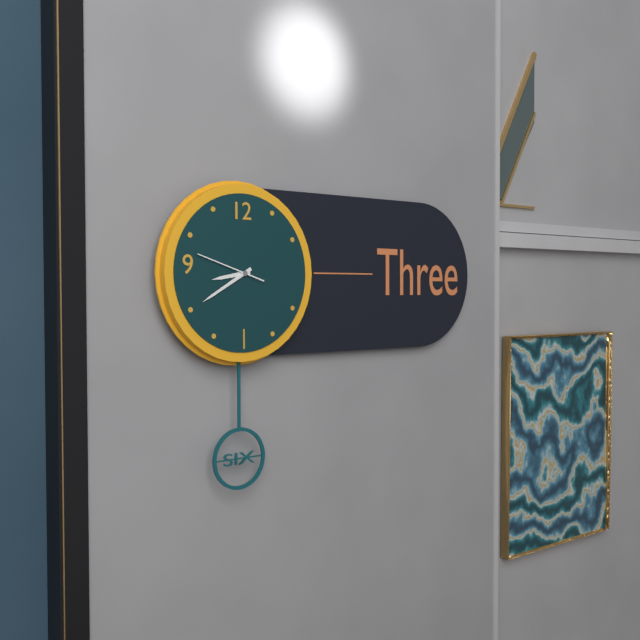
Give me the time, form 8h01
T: 8h40
